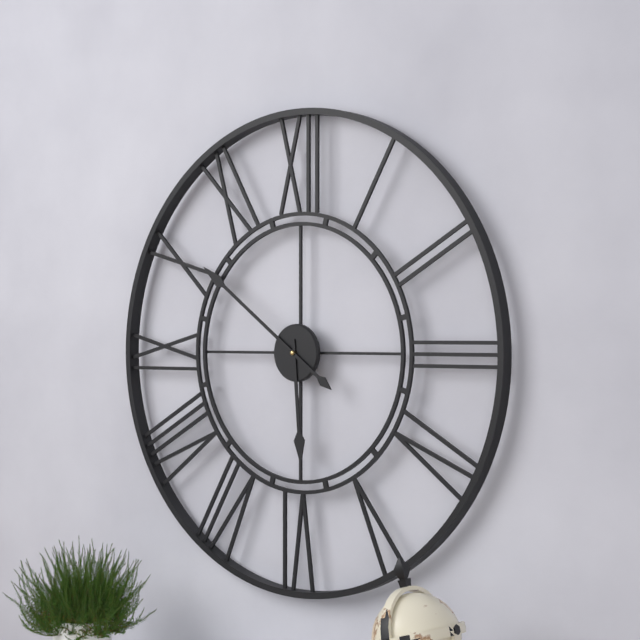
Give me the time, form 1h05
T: 5h51
